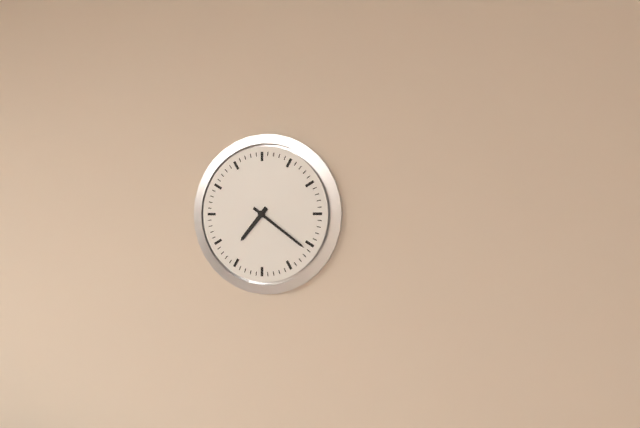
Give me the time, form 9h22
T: 7h21
